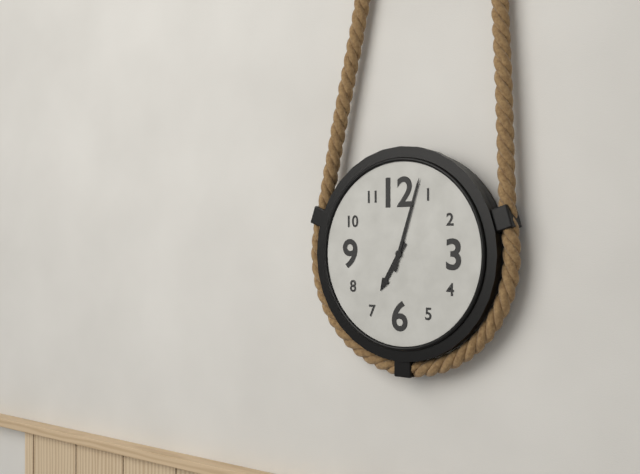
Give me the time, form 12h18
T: 7h03
